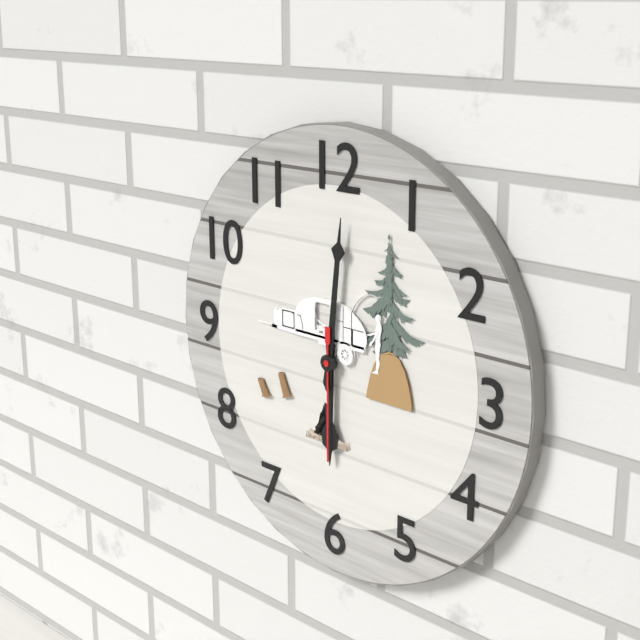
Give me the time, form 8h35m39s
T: 6h01m30s
